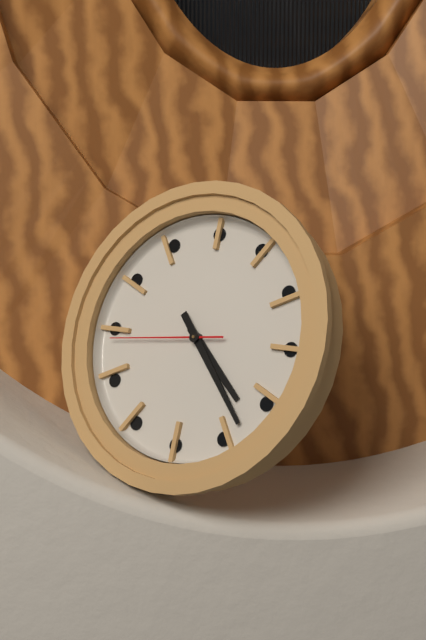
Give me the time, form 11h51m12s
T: 4h23m44s
